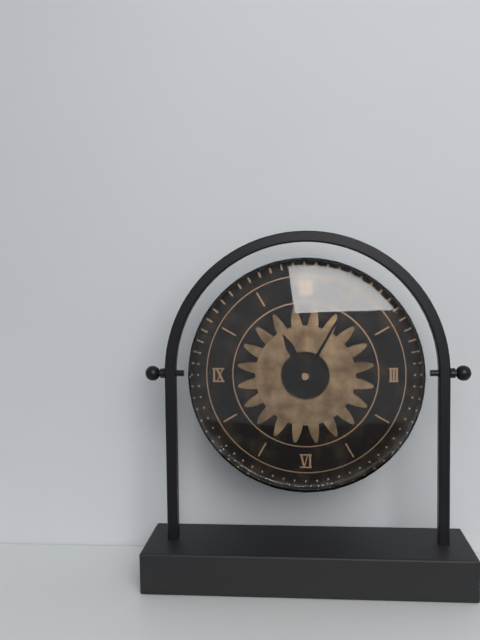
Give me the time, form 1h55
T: 11h05
